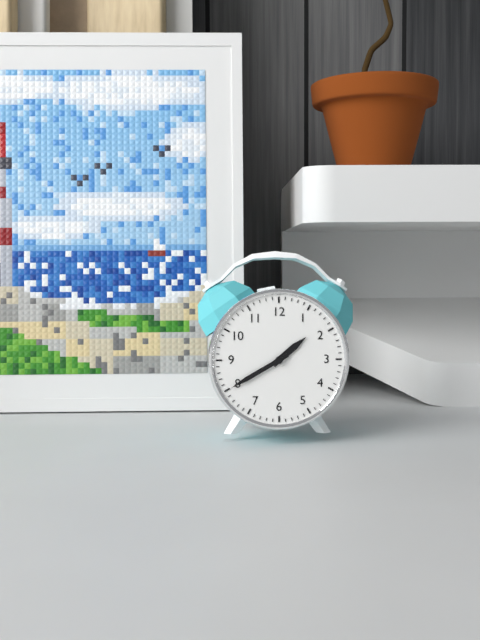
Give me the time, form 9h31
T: 1h40
